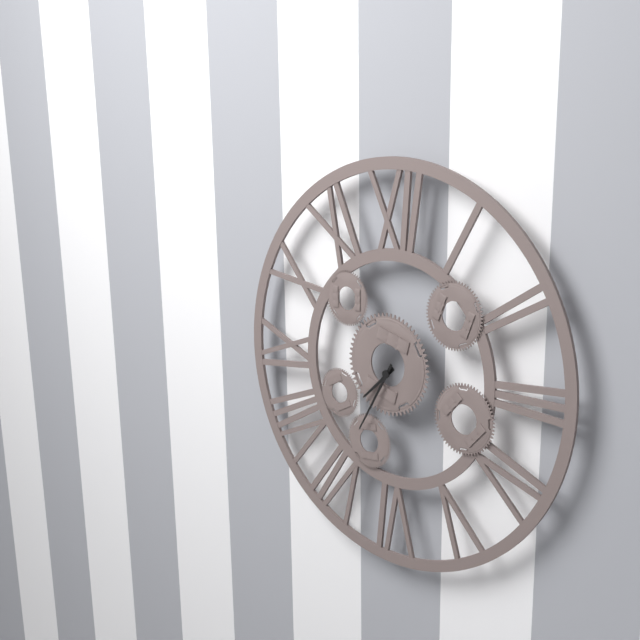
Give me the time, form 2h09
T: 7h35
